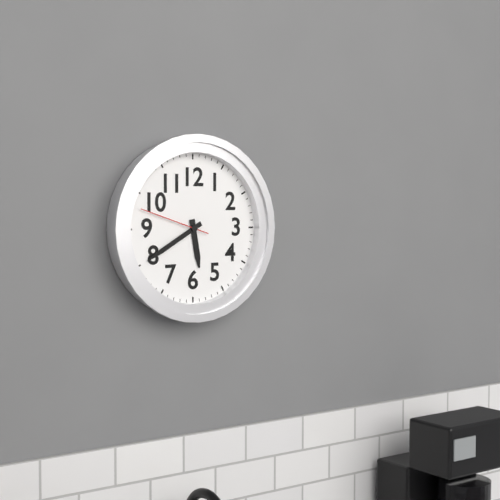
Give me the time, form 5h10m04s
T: 5h40m48s
